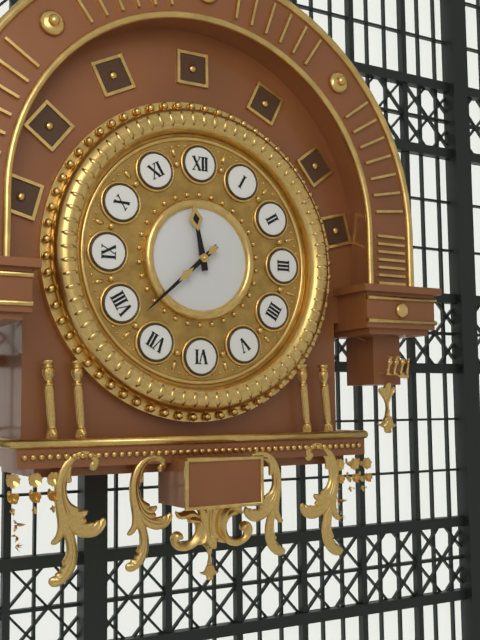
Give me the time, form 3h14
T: 11h38
